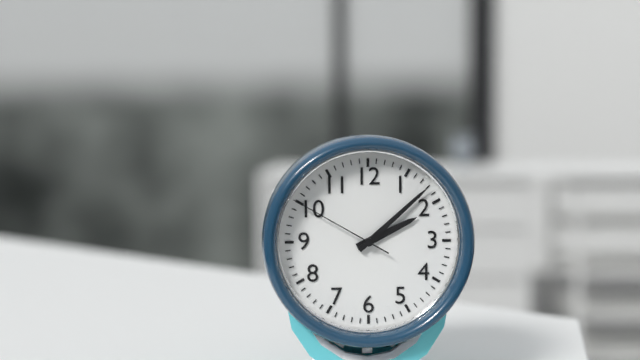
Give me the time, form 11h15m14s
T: 2h08m50s
